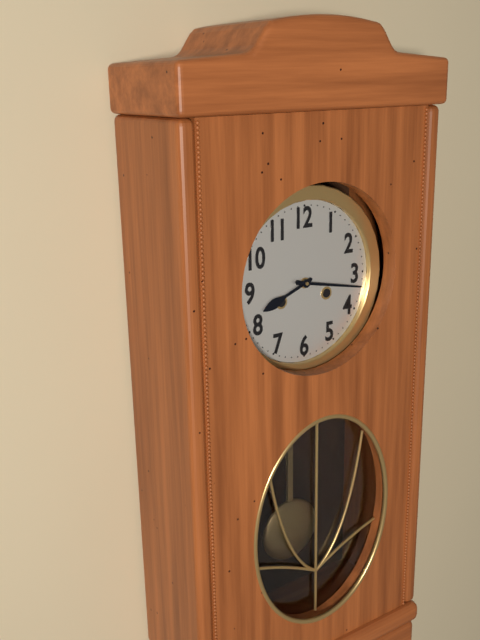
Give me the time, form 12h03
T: 8h17
